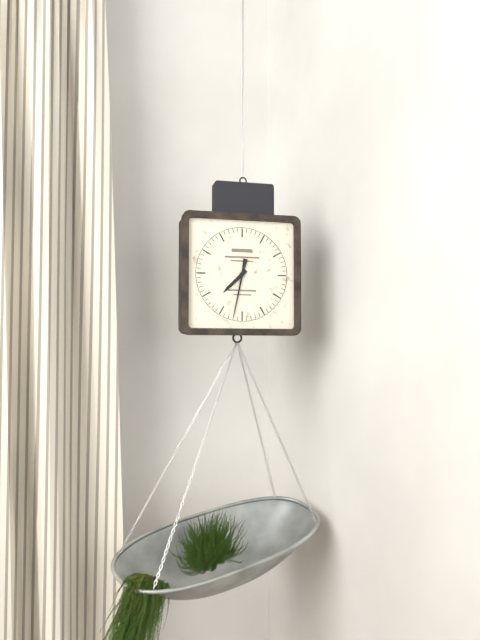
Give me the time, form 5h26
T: 7h32
